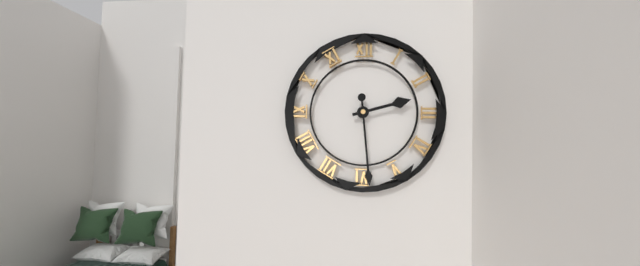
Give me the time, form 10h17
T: 2h29
